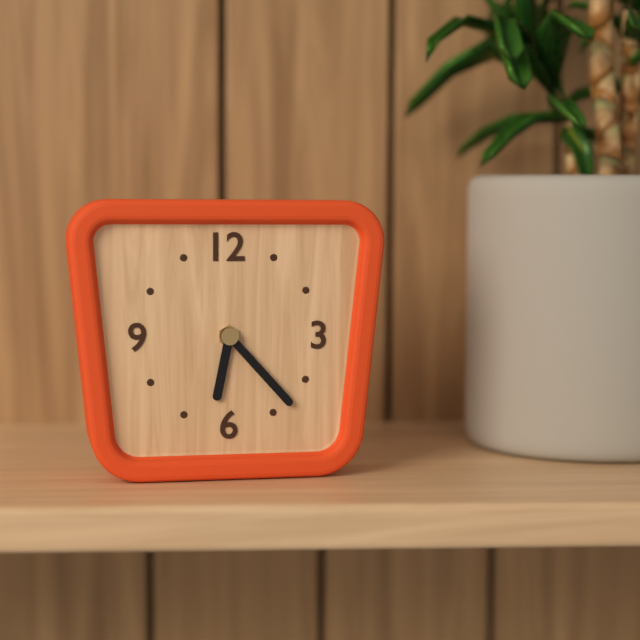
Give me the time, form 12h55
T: 6h23
